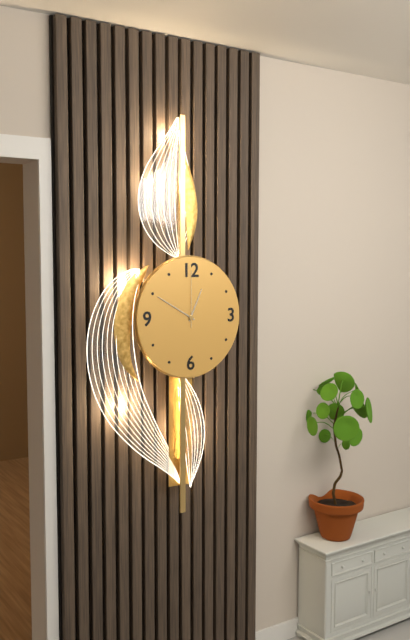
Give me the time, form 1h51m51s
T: 12h50m00s
